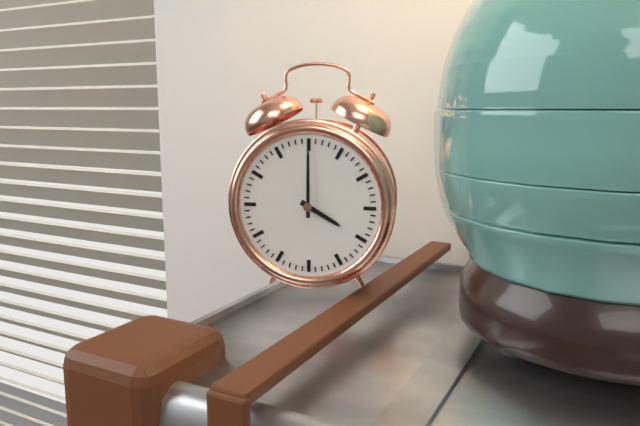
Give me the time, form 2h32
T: 4h00
